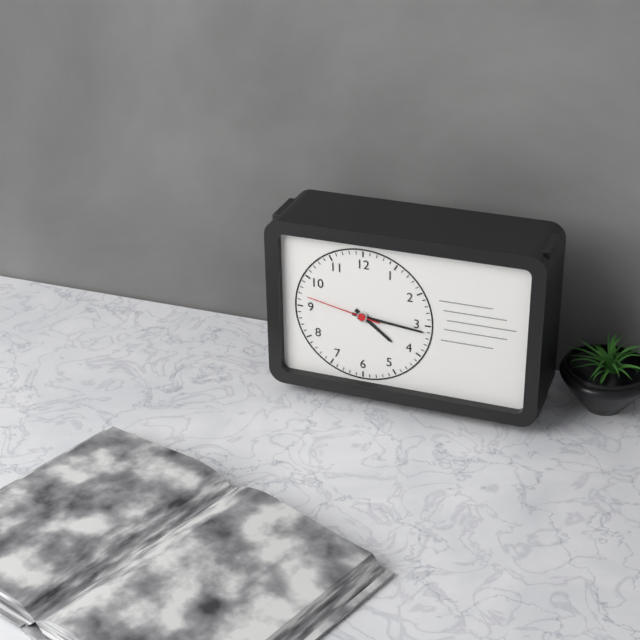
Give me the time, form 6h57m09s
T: 4h16m47s
